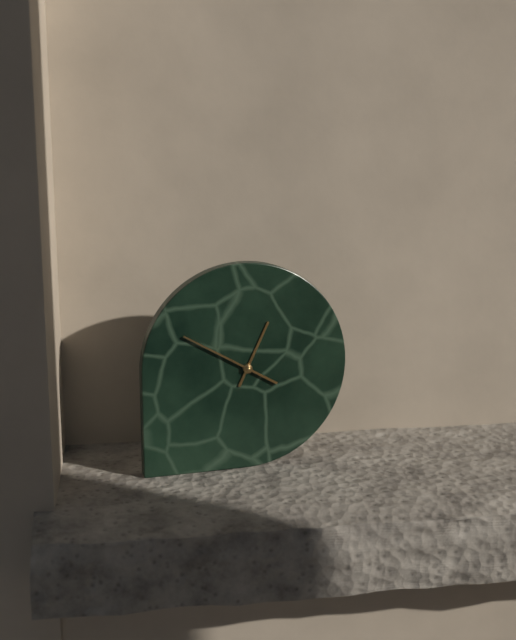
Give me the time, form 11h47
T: 12h50
